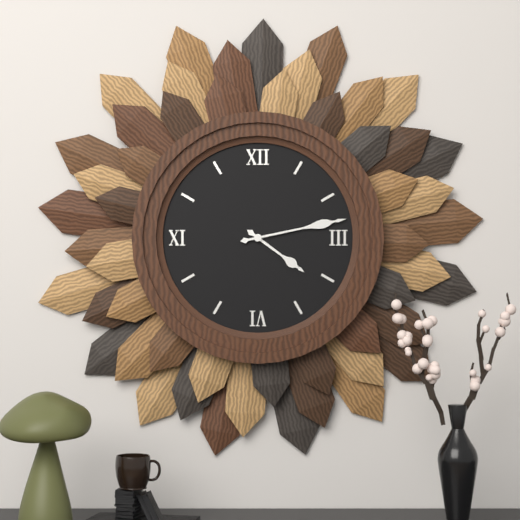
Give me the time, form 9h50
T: 4h13
